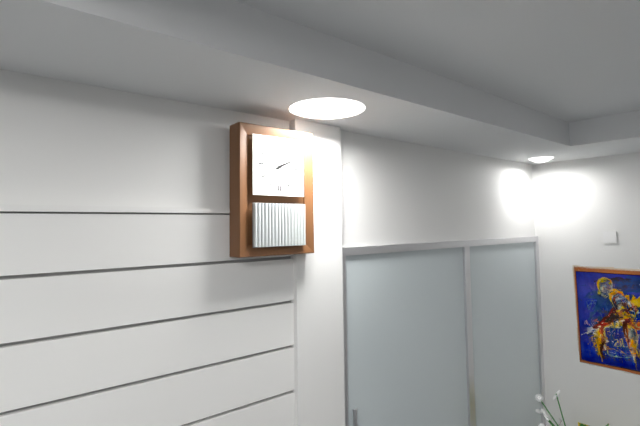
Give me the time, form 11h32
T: 2h11
